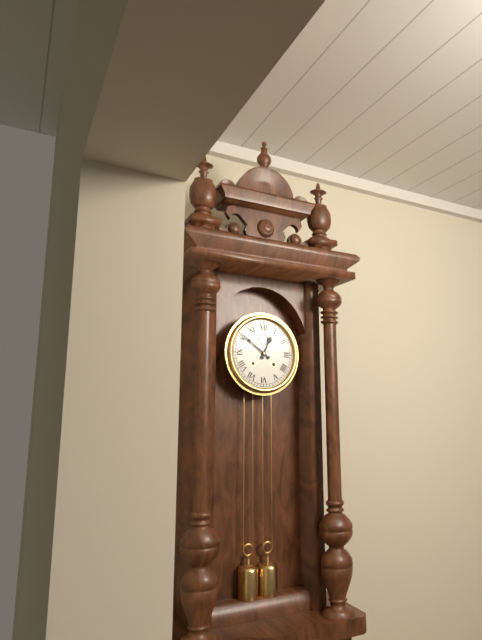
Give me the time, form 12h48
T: 12h51
